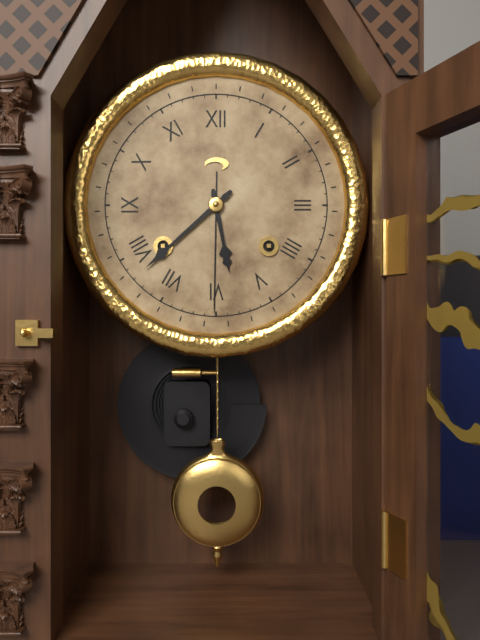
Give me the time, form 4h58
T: 5h38
